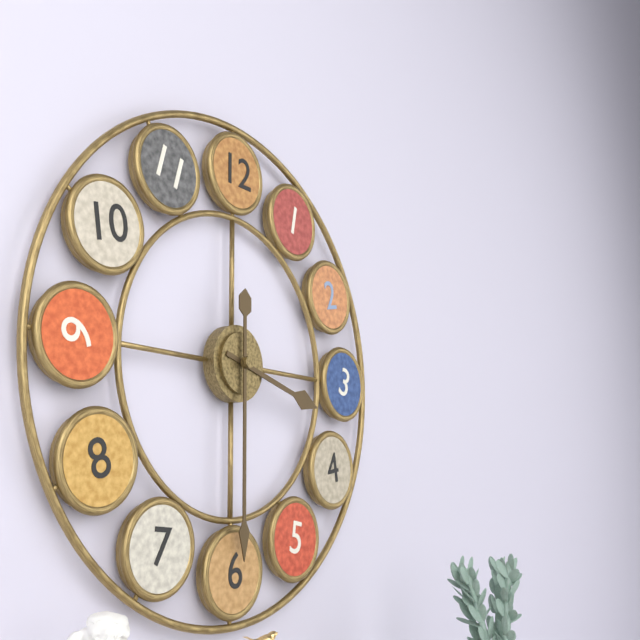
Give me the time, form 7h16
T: 3h30
